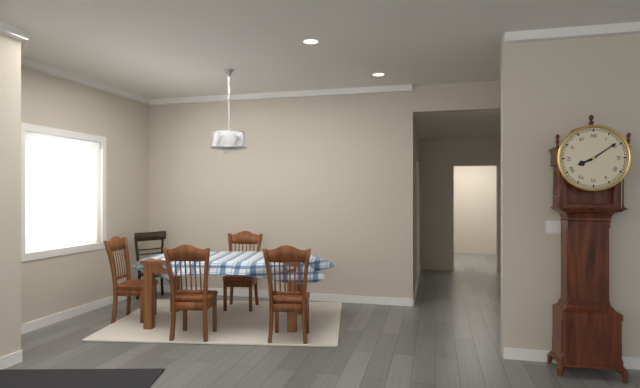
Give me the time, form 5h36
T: 8h09
